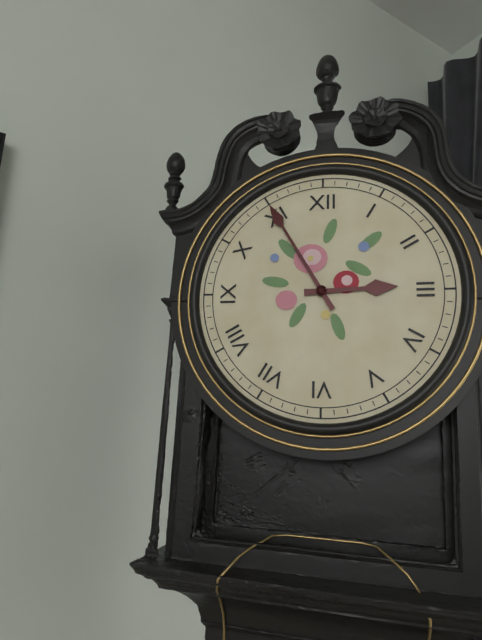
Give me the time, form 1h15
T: 2h55
